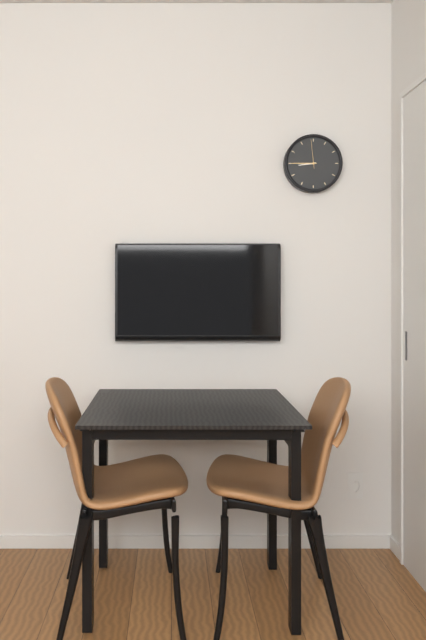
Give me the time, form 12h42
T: 8h45
